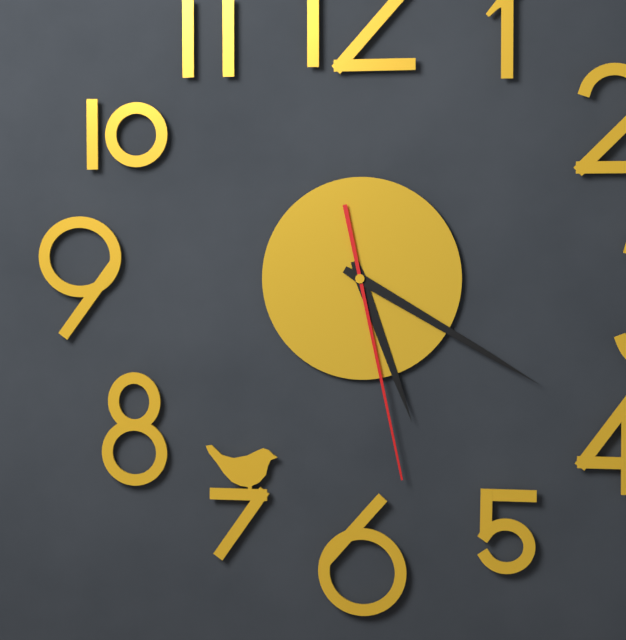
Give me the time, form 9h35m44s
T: 5h20m28s
